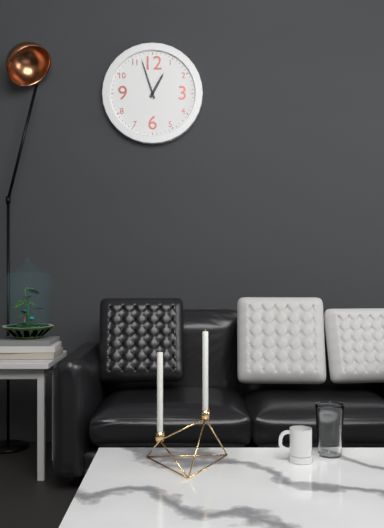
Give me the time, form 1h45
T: 12h57
